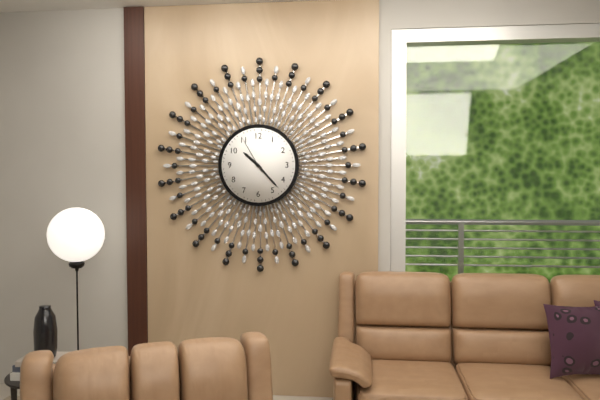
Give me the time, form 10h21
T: 10h23
